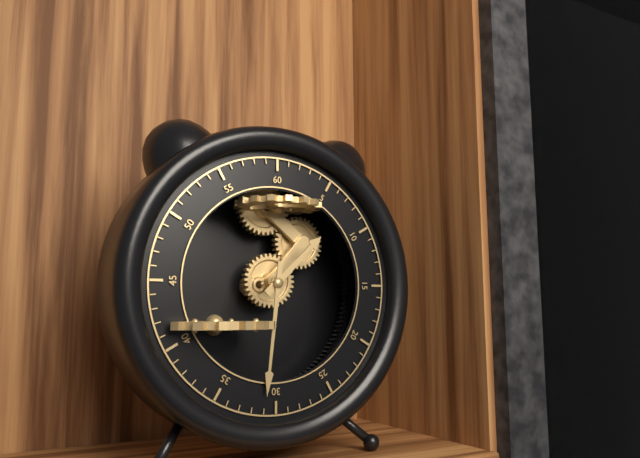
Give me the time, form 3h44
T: 1h31
